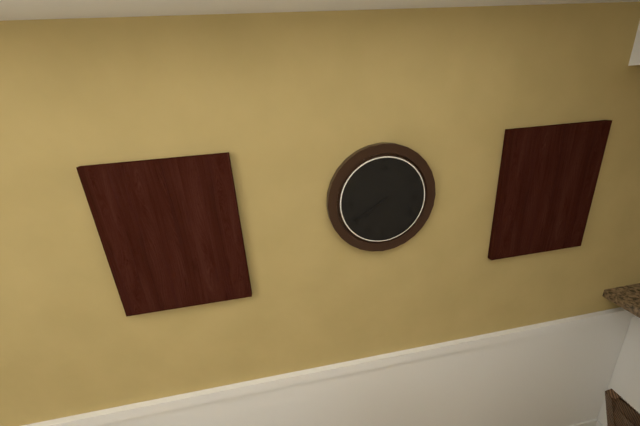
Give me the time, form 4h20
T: 7h40
